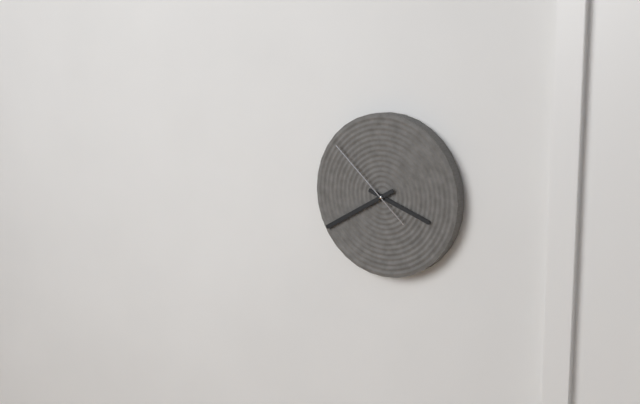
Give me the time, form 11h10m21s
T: 3h40m52s
